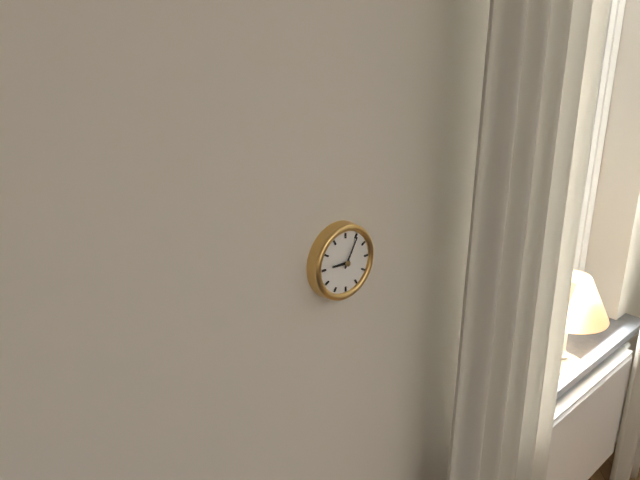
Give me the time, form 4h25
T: 9h05
